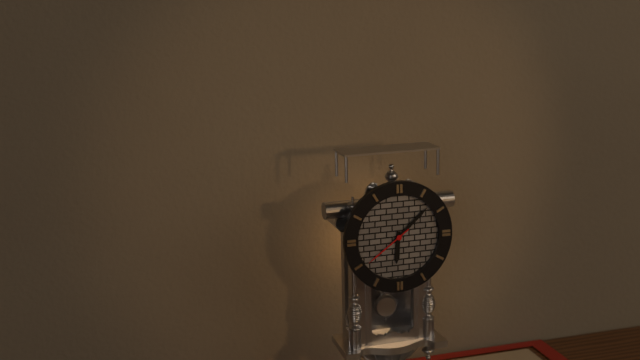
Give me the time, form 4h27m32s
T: 6h08m39s
